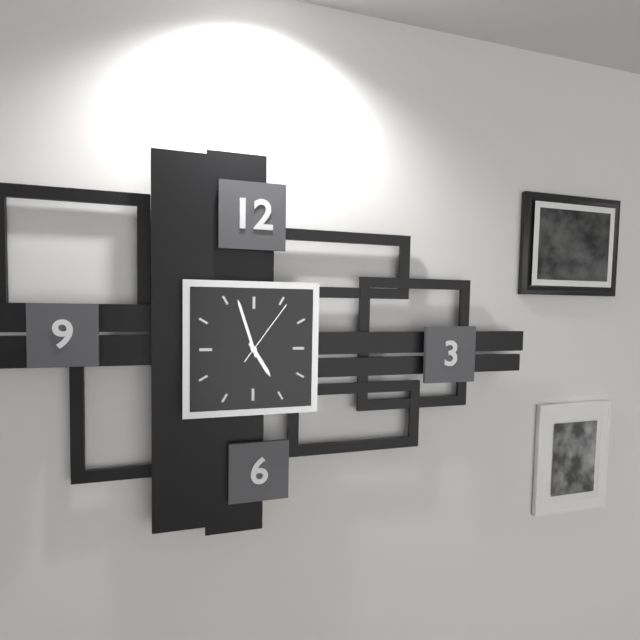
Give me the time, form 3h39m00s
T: 4h57m06s
